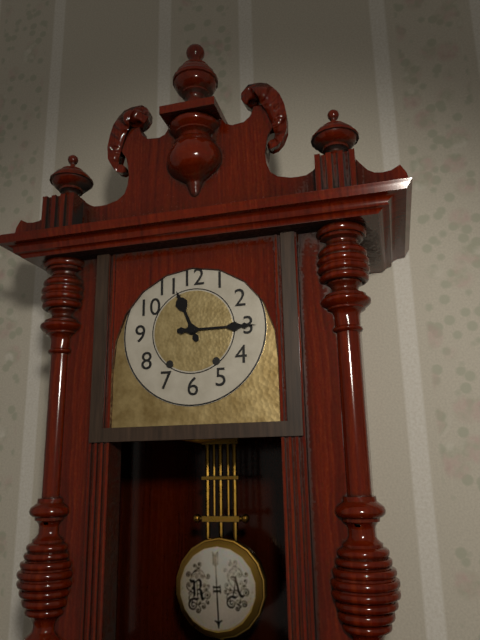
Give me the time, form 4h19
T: 11h15
